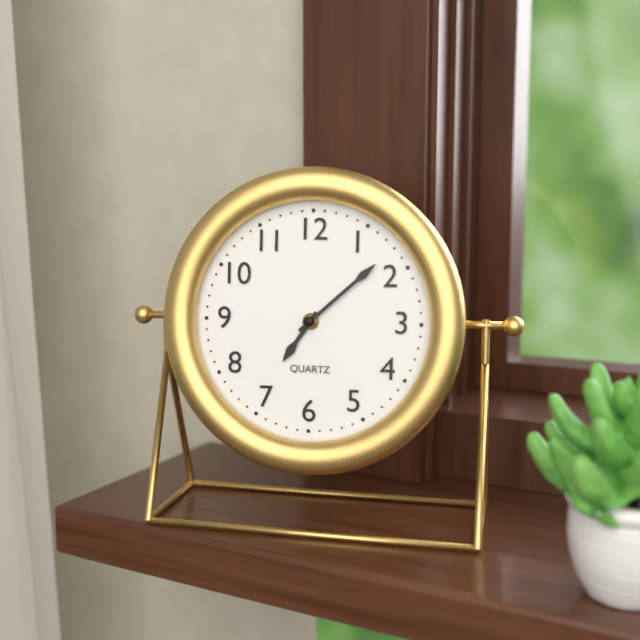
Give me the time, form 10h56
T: 7h08
